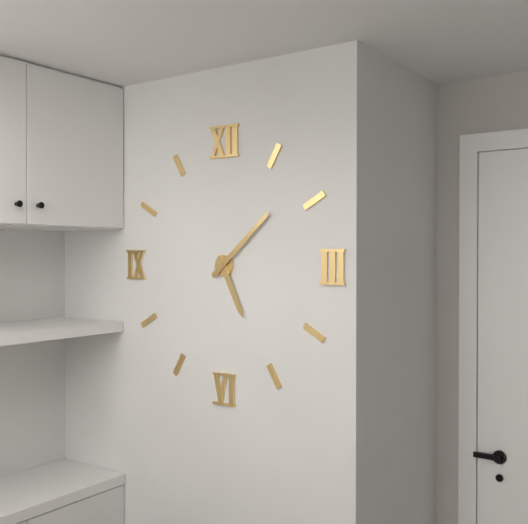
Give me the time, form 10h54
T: 5h08
